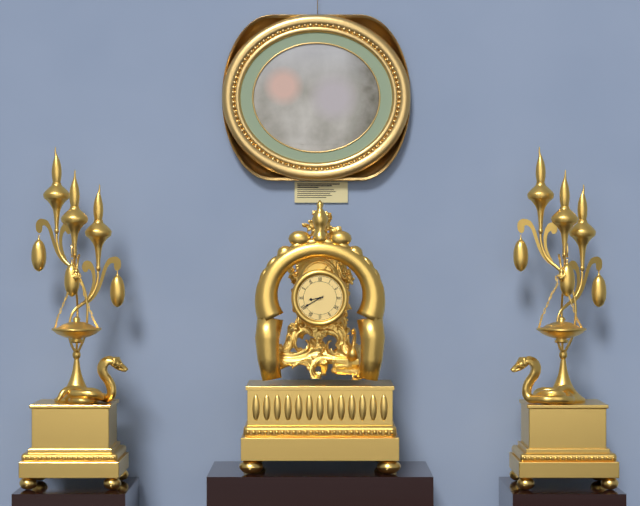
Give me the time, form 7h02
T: 8h40
